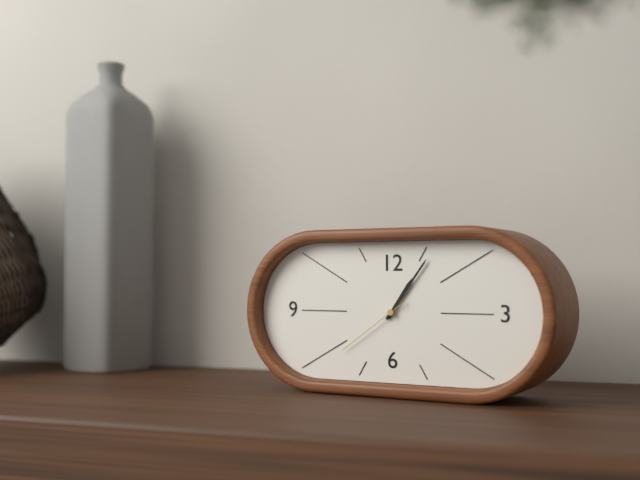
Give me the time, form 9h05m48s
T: 1h06m39s
